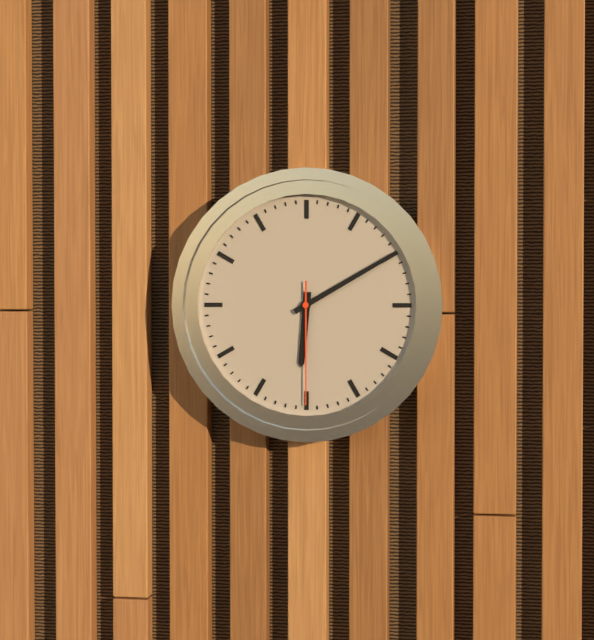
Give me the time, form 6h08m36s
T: 6h10m30s
